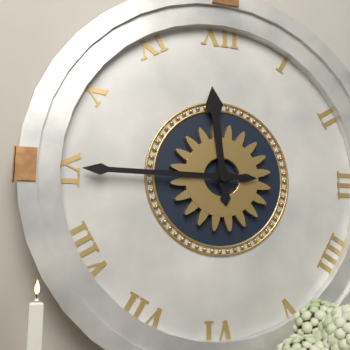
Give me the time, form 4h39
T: 11h45
